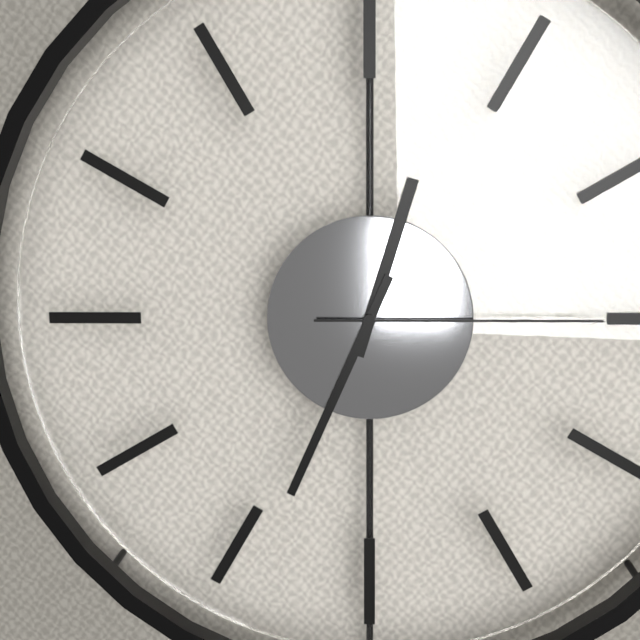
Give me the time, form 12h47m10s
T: 12h34m15s
